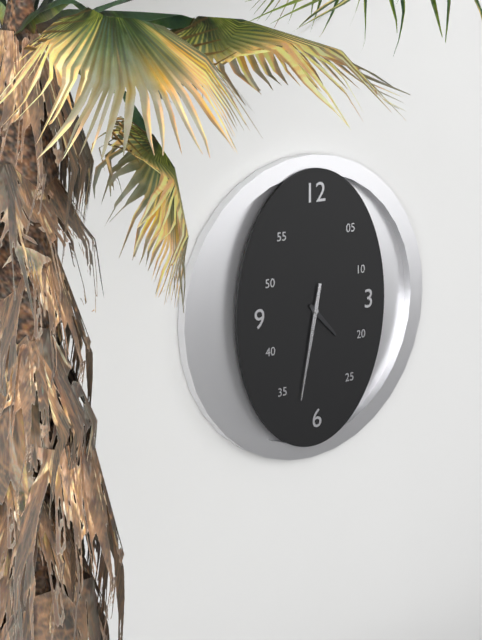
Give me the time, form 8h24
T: 4h32
